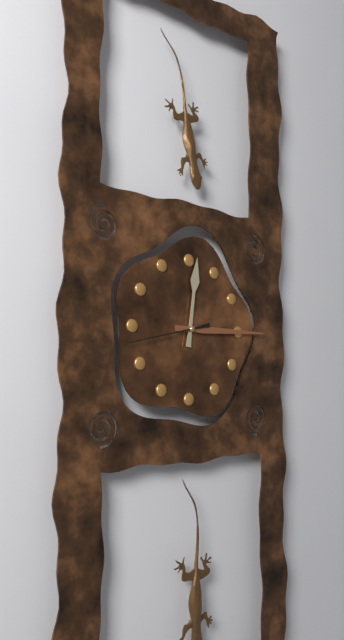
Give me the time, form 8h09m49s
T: 12h15m43s
